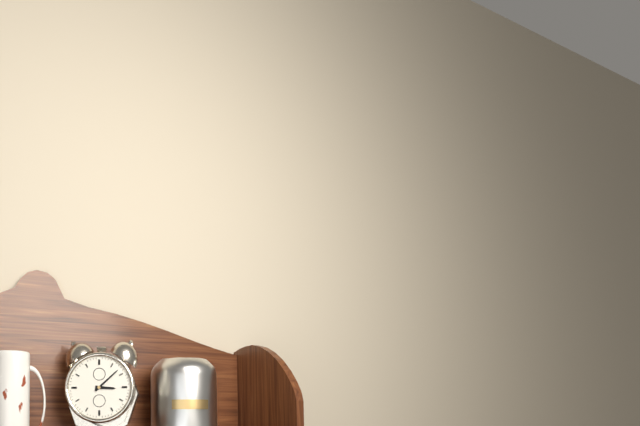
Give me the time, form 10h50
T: 3h08
